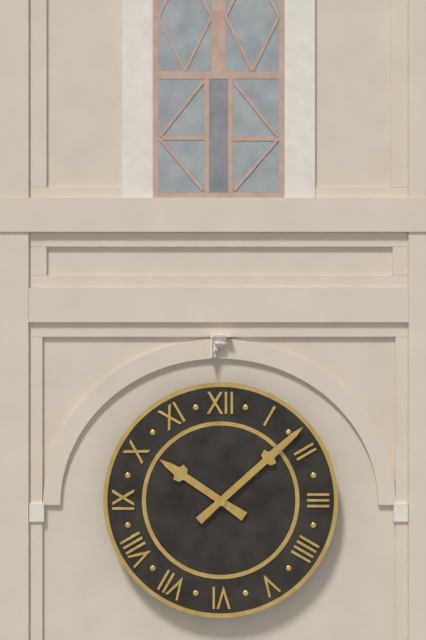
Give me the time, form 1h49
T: 10h08
